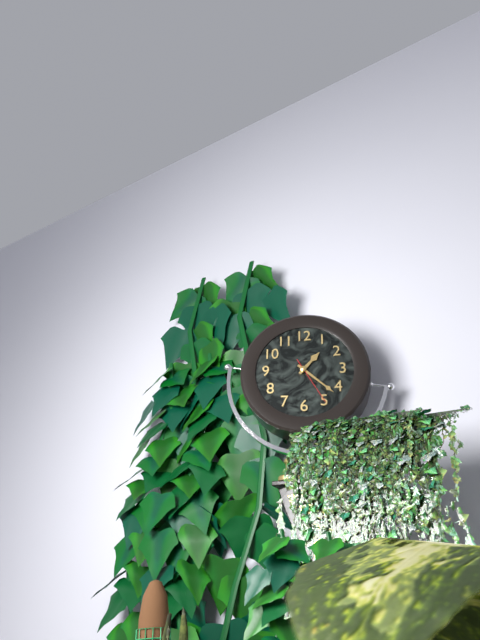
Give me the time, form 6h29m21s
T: 1h22m25s
